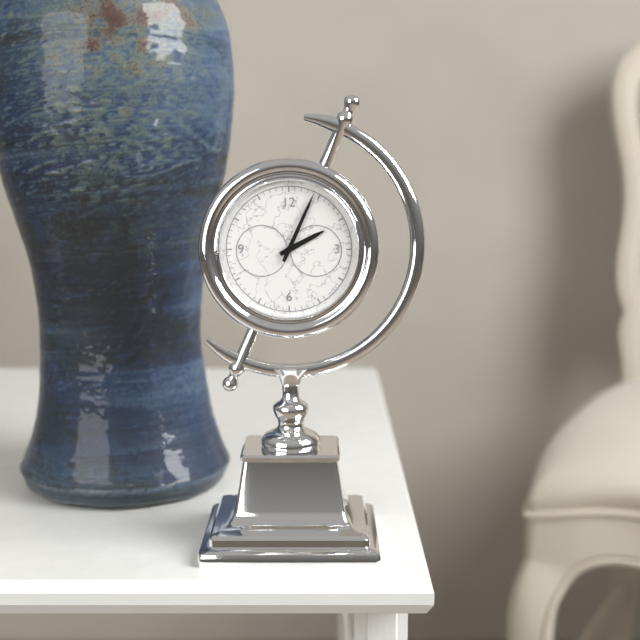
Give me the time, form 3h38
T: 2h04
